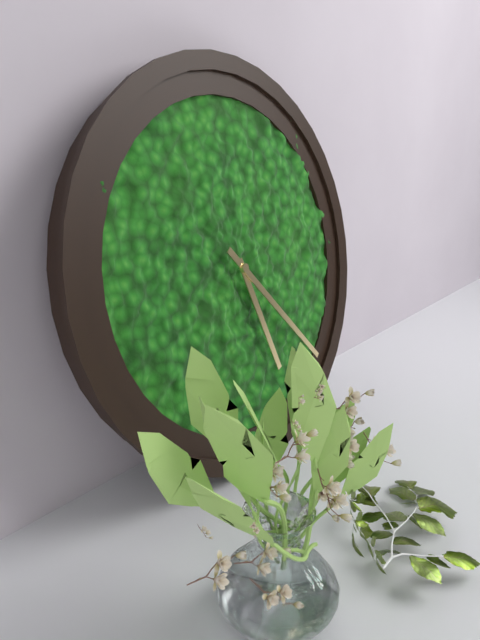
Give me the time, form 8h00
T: 5h23
